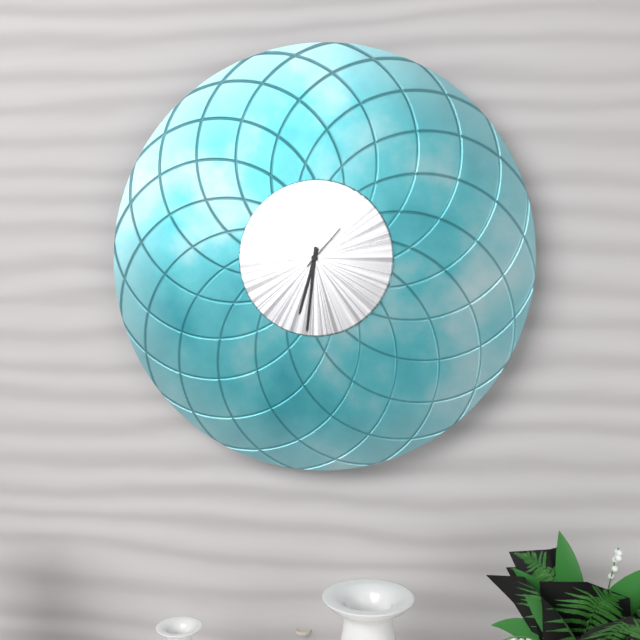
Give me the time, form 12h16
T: 6h31
